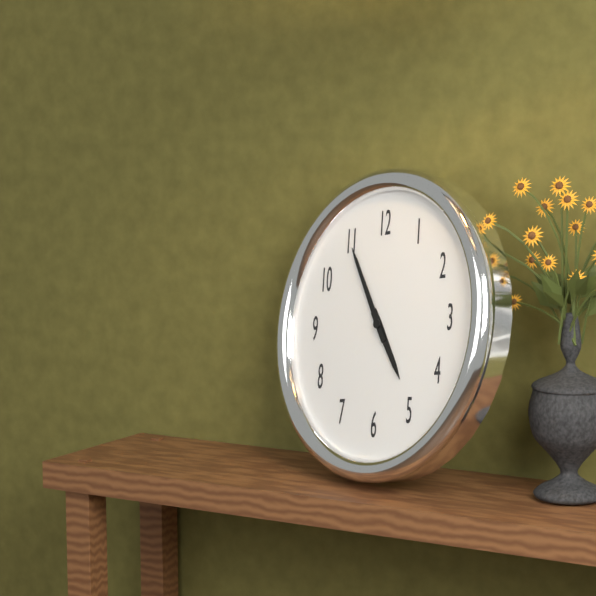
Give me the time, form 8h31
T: 4h55
